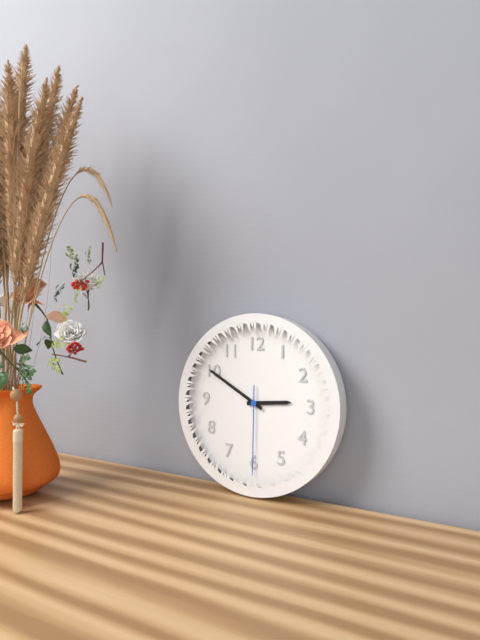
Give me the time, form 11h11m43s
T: 2h50m30s
